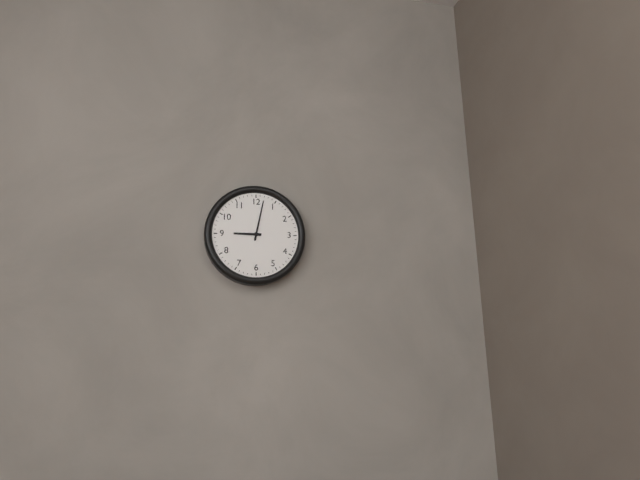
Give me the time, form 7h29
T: 9h02
